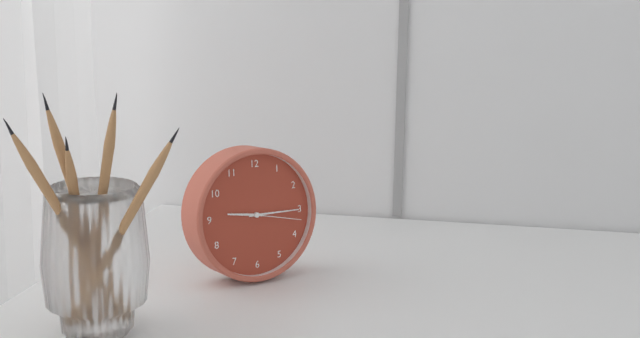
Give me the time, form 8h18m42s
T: 9h15m17s
